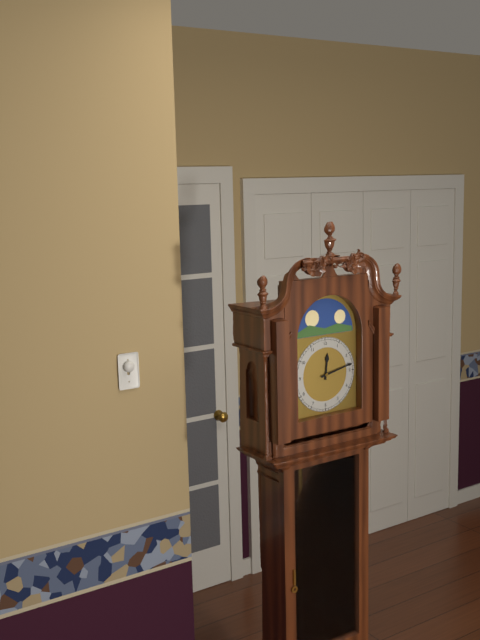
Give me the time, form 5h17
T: 12h13
